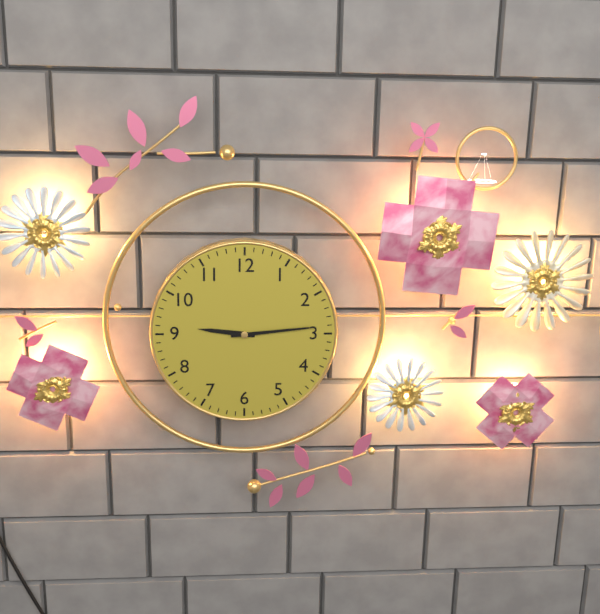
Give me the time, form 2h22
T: 9h14
